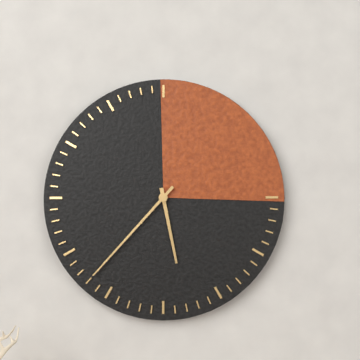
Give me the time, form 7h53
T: 5h37
